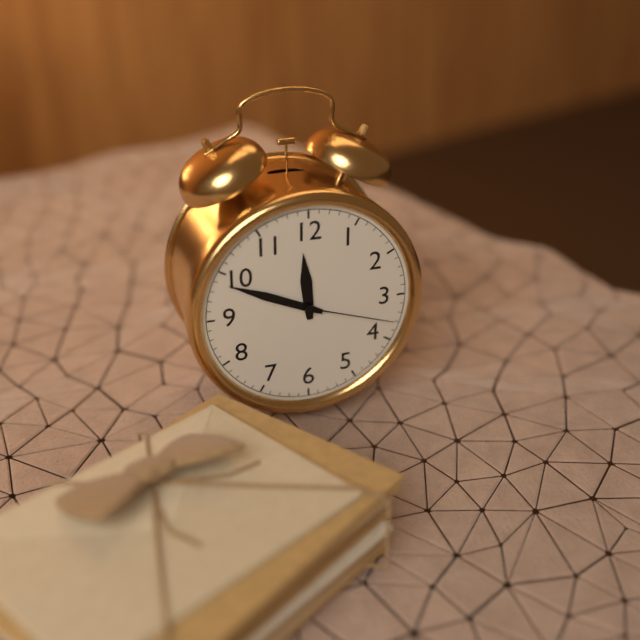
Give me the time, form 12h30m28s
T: 11h49m18s
